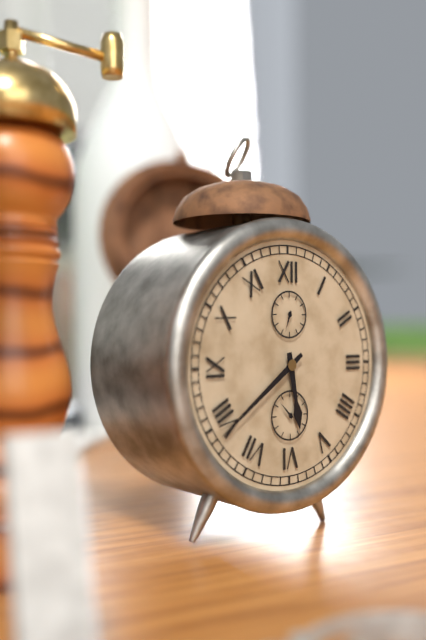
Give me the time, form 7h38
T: 5h39
